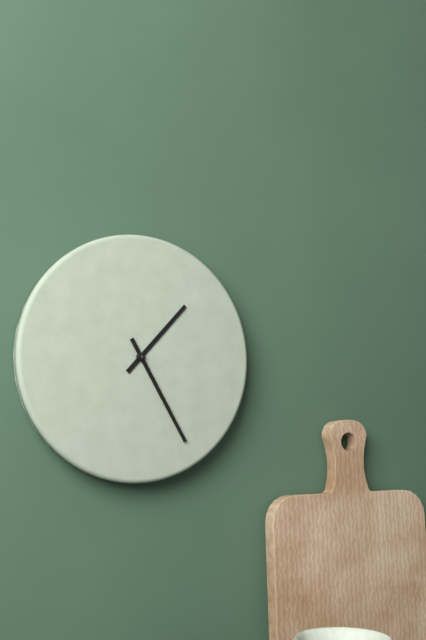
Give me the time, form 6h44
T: 1h25
